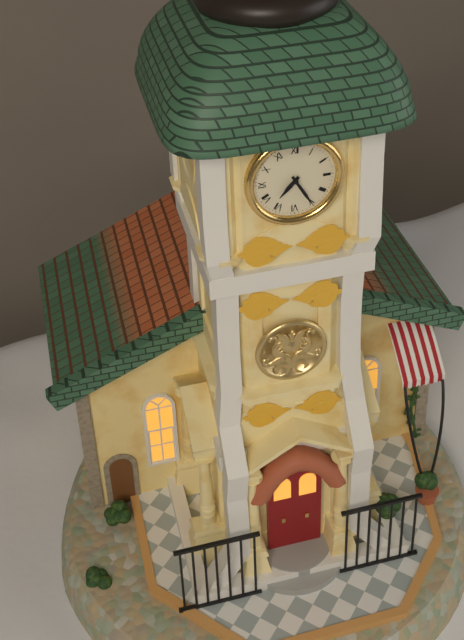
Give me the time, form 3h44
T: 7h25
